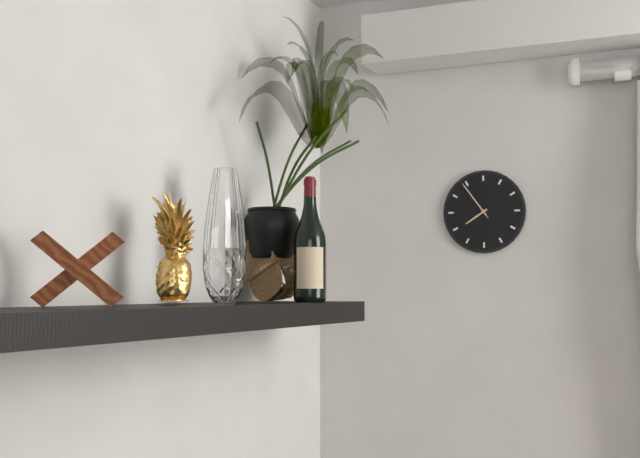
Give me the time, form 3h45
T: 7h54
